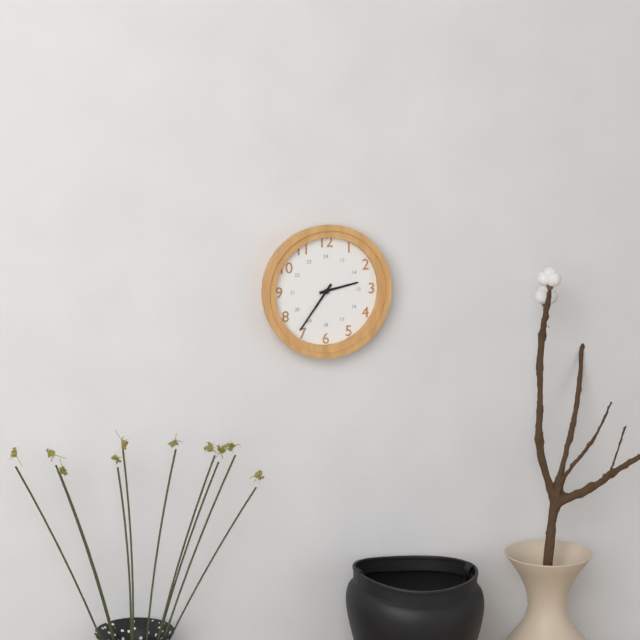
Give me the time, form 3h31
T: 2h36
